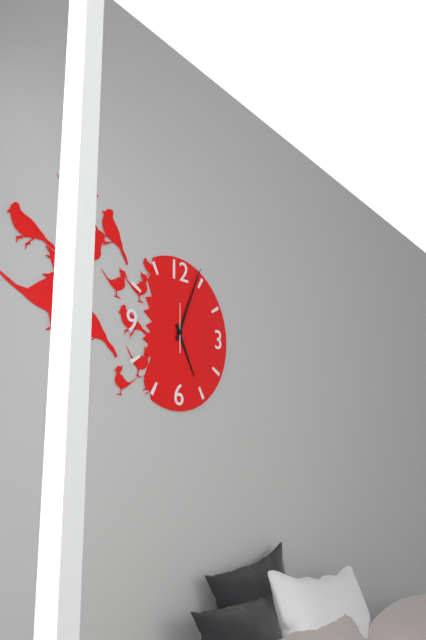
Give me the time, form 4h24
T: 5h04
